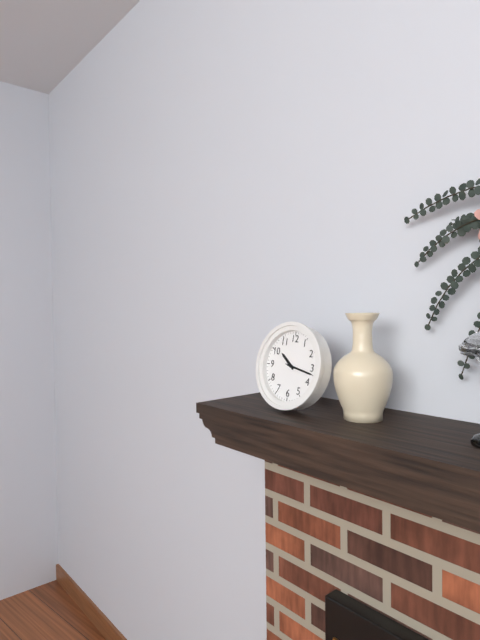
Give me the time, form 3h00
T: 10h17
